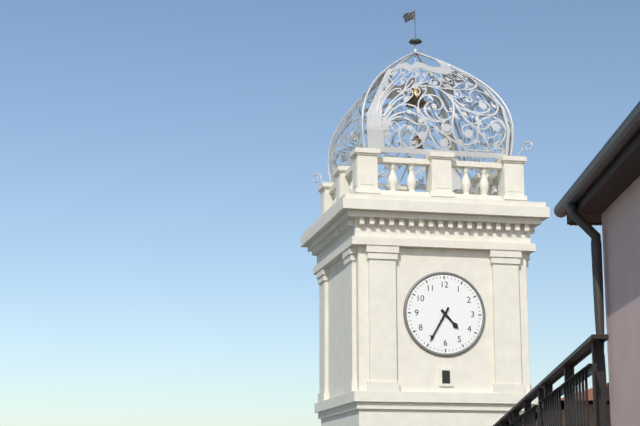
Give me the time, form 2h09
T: 4h35
